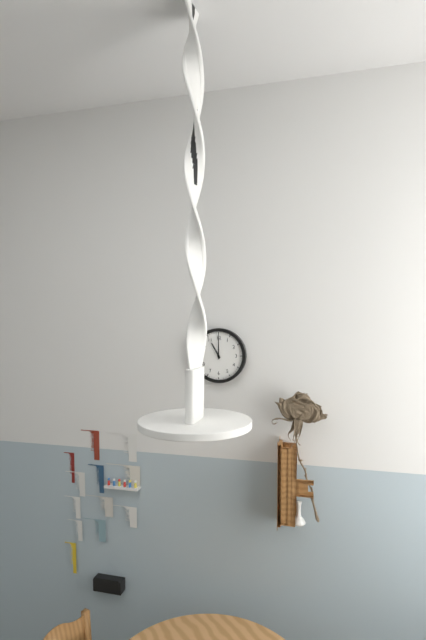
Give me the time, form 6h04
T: 11h00
